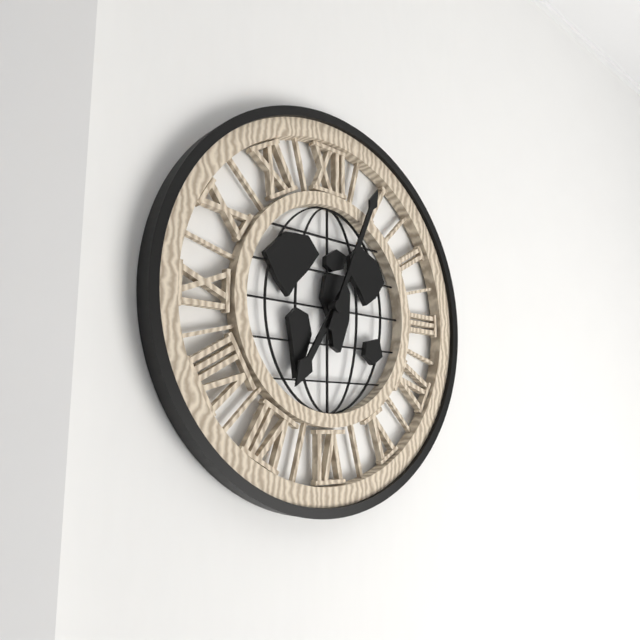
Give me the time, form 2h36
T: 7h04
